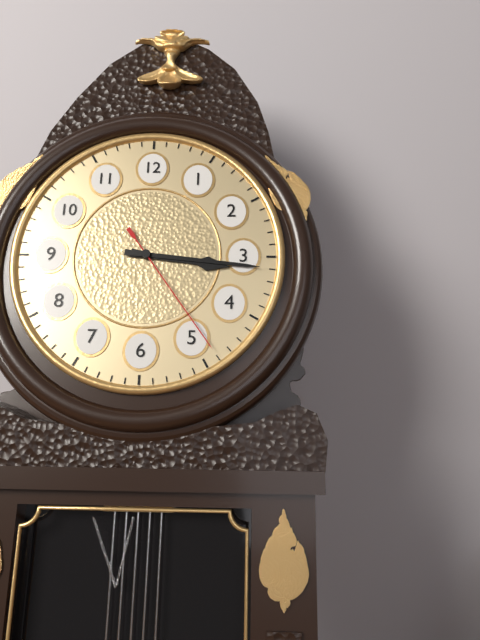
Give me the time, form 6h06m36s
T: 3h16m24s
